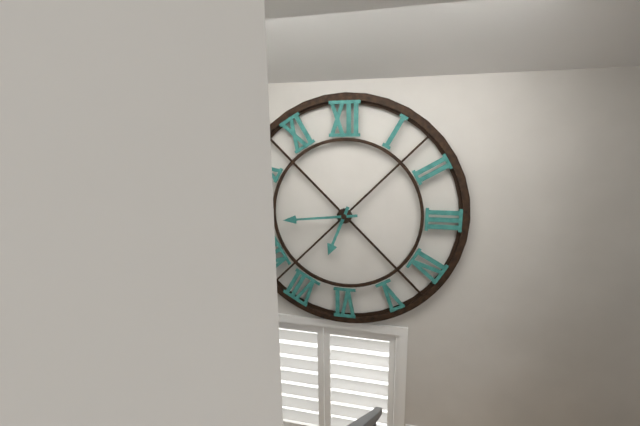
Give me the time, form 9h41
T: 6h44
